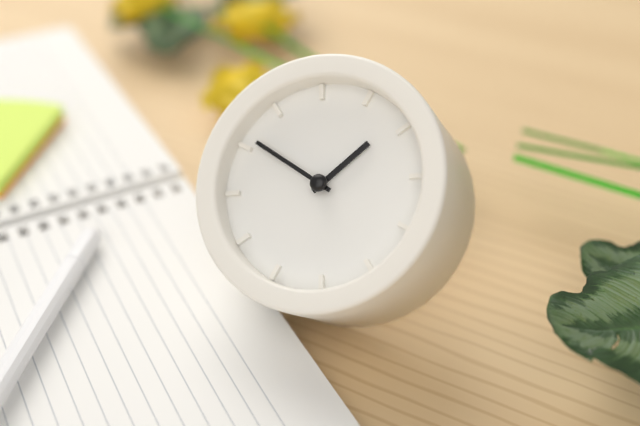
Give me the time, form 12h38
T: 12h46
